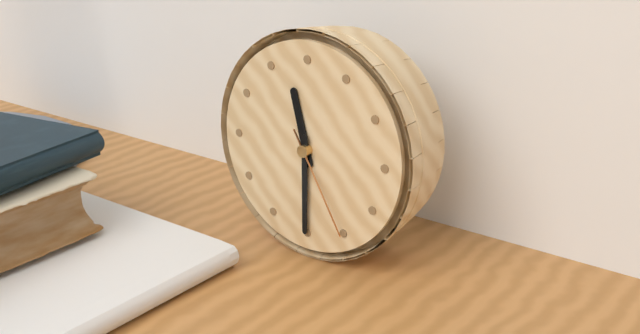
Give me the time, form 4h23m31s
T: 11h30m25s
